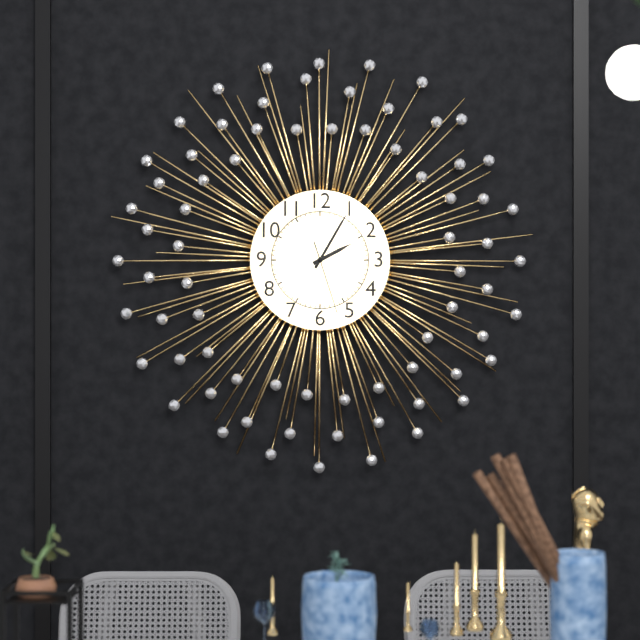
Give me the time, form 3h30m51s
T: 2h05m27s
